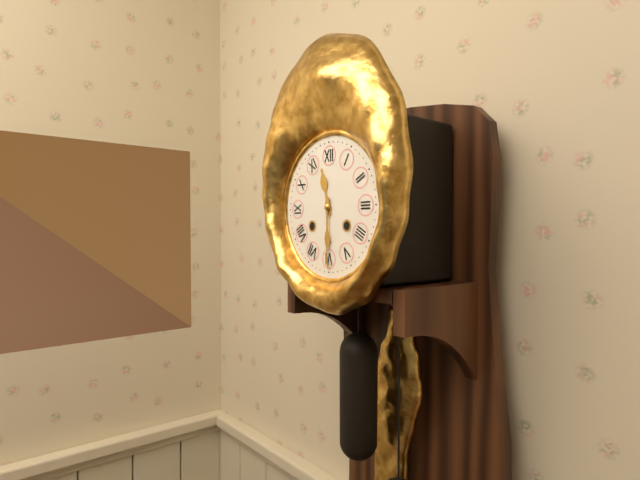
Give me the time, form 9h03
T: 11h30
